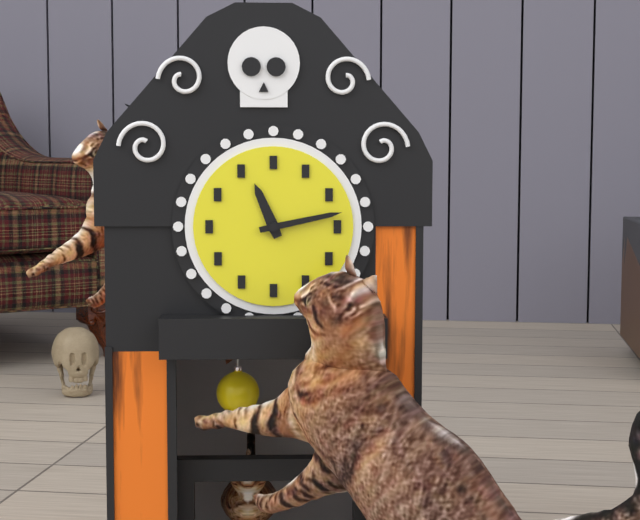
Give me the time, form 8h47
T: 11h13
